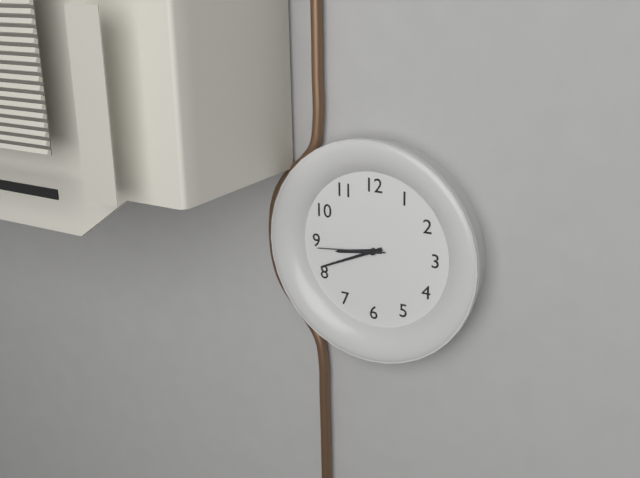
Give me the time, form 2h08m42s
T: 8h41m44s
